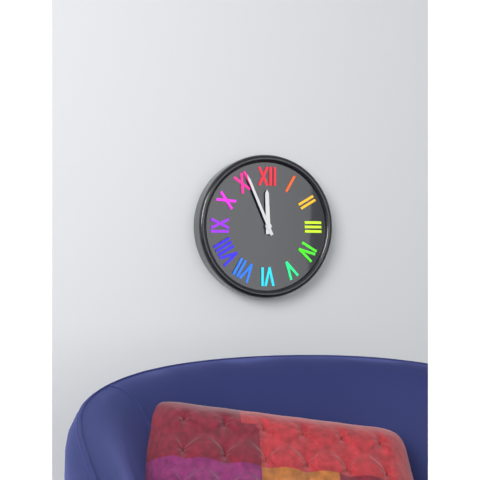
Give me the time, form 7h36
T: 11h56
